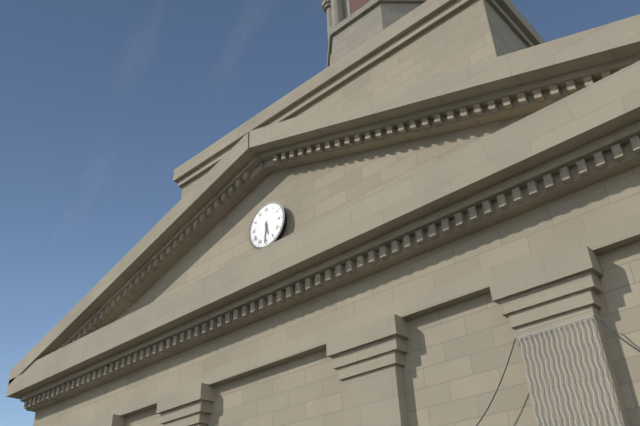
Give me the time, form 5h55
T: 5h31
